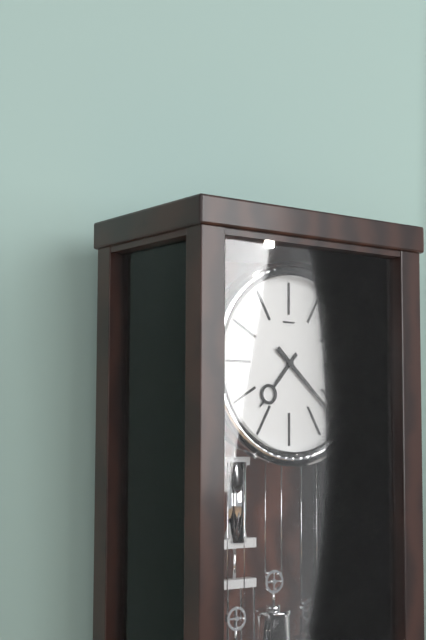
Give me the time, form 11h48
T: 7h22
